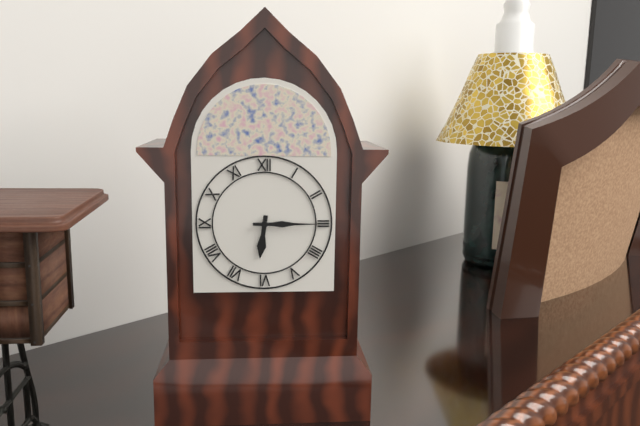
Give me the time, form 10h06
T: 6h15
